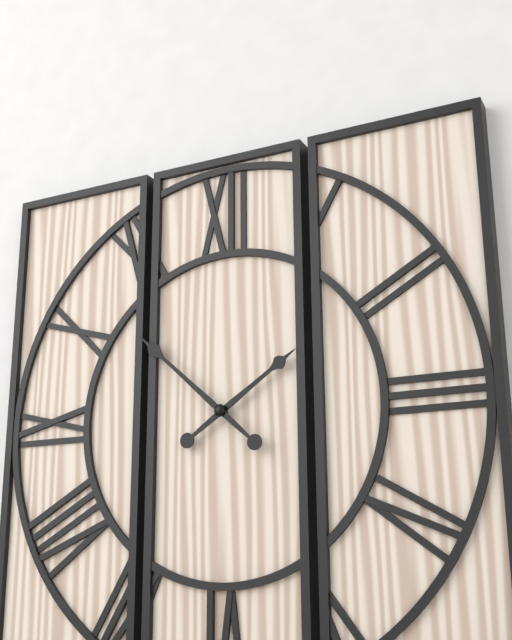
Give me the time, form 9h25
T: 1h52
